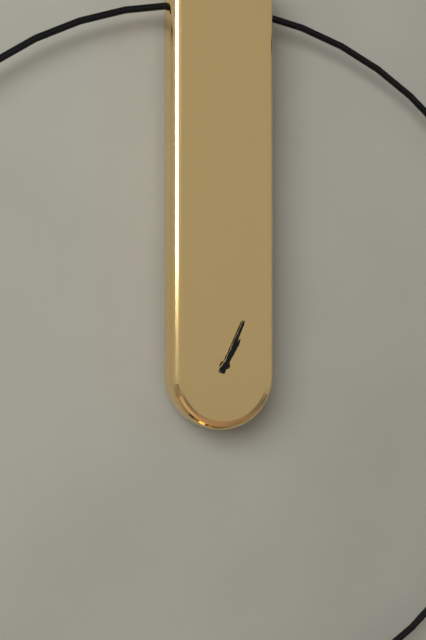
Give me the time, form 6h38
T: 1h04
